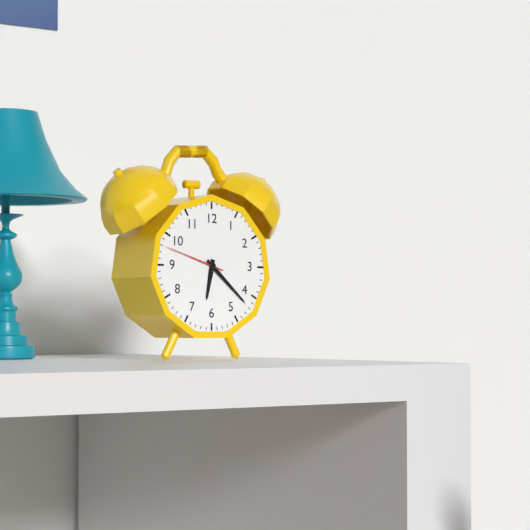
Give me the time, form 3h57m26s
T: 6h22m48s
